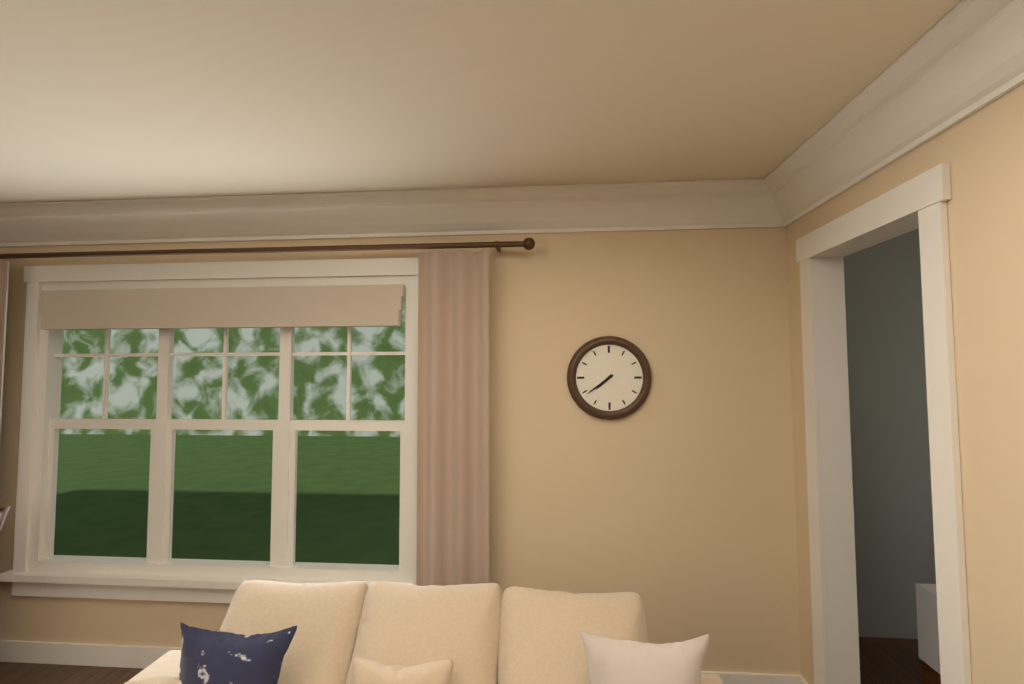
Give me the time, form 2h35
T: 7h39
